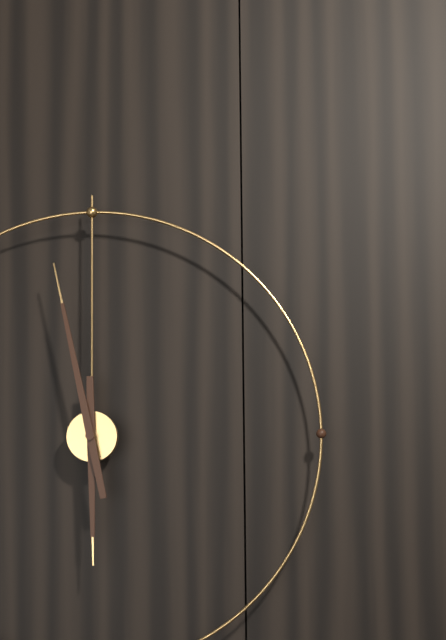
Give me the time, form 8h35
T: 5h58
